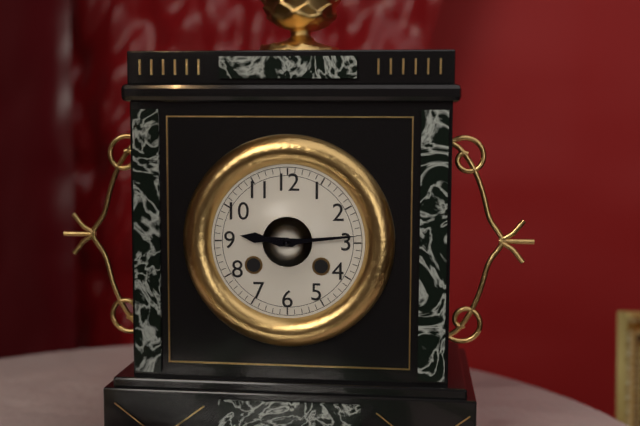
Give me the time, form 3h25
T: 9h14
